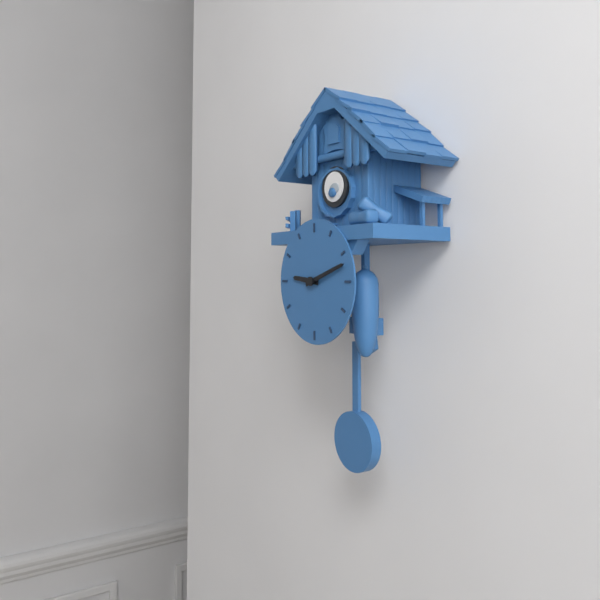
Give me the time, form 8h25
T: 9h12
